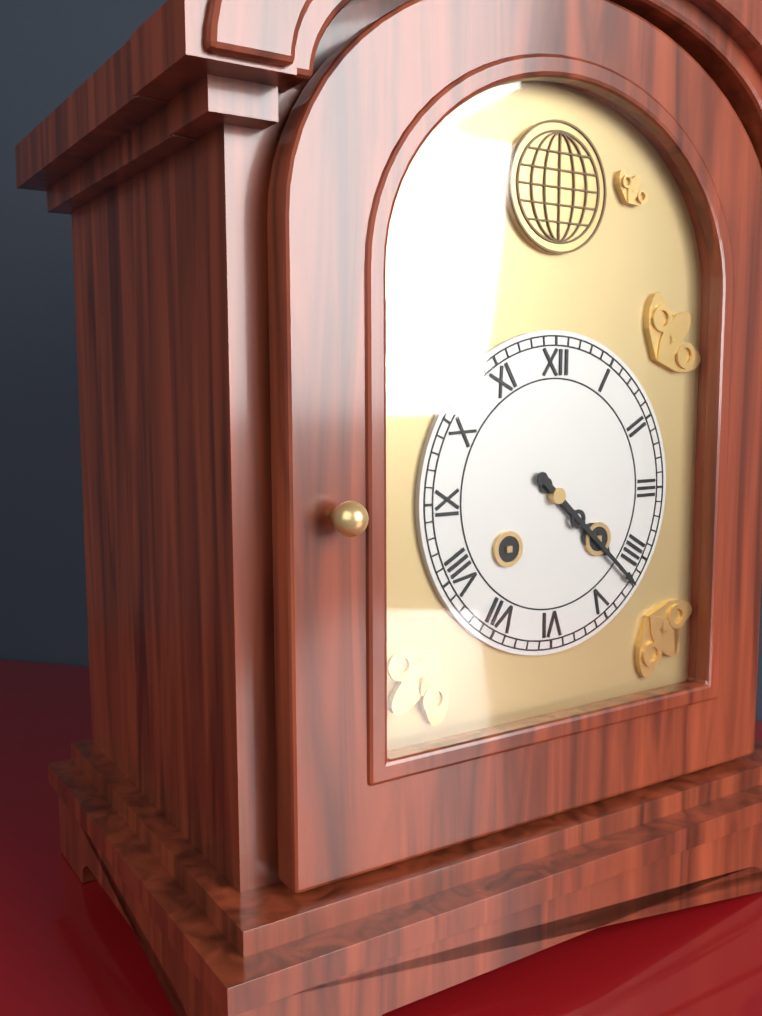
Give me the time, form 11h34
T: 4h22
